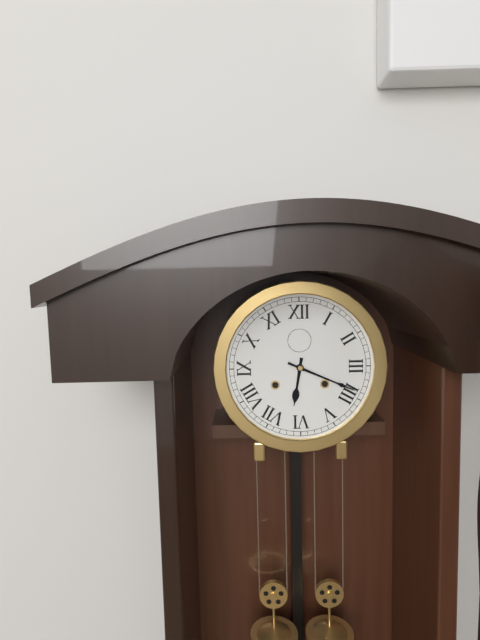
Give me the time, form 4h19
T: 6h19
